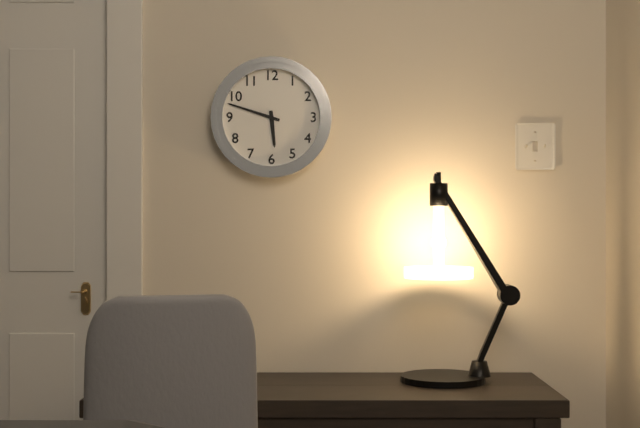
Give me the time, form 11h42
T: 5h48
